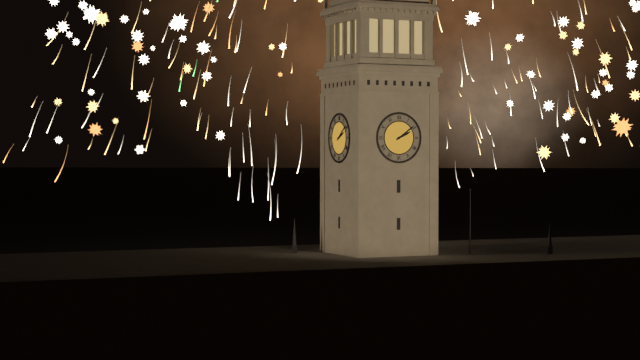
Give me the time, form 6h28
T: 2h09
